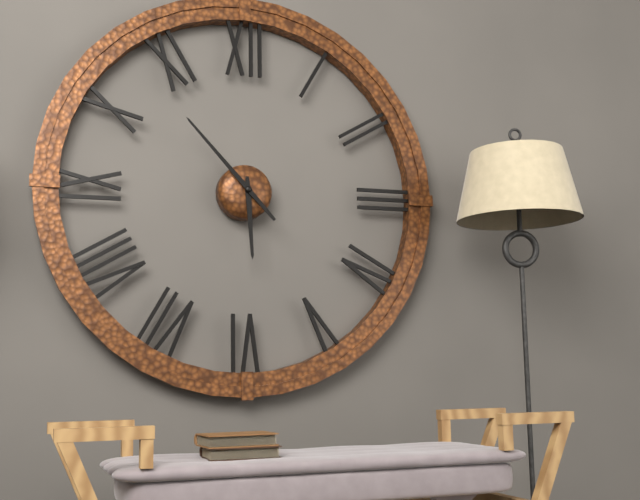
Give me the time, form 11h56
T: 5h53
